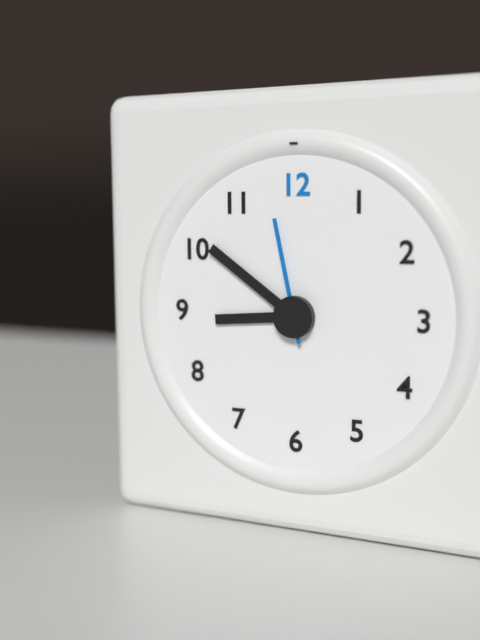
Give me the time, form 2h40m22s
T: 8h51m58s
